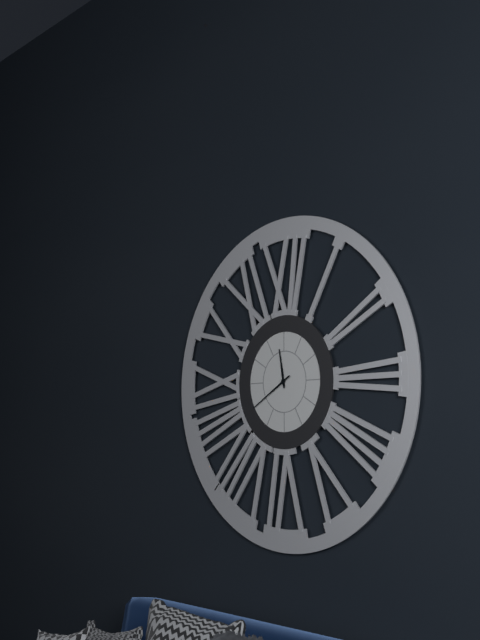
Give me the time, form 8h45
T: 11h40
